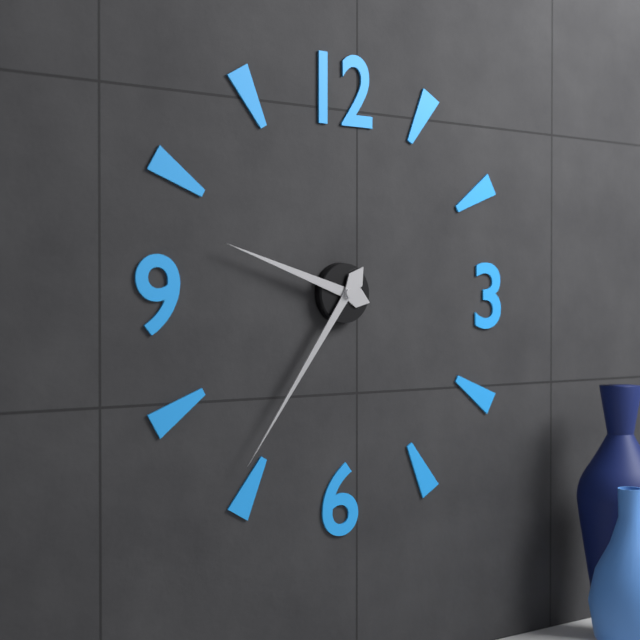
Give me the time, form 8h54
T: 9h36
